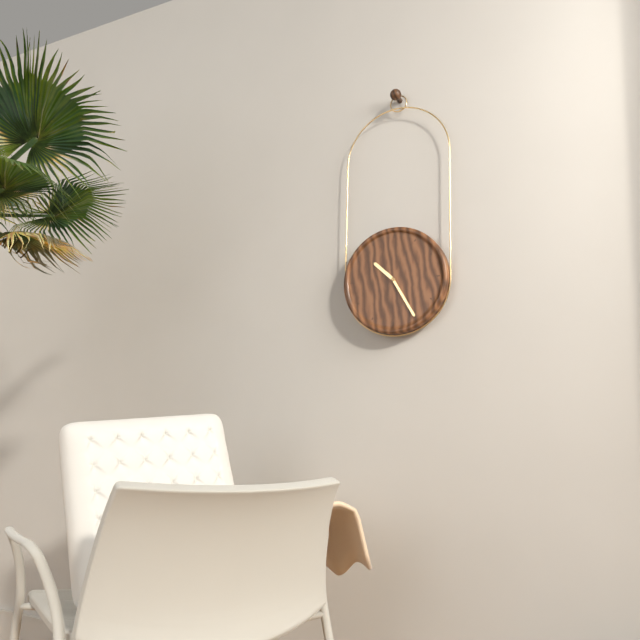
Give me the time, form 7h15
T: 10h25
